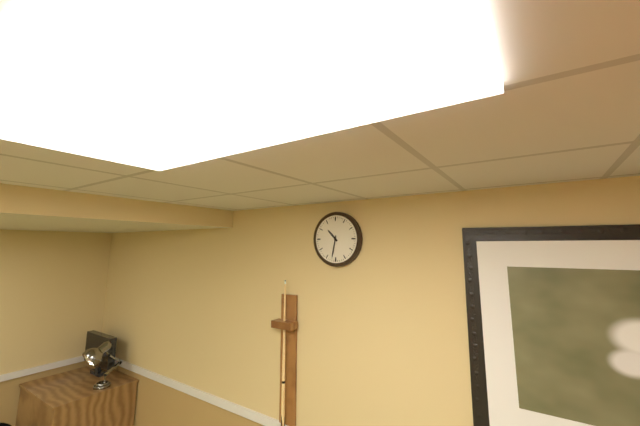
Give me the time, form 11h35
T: 10h32
